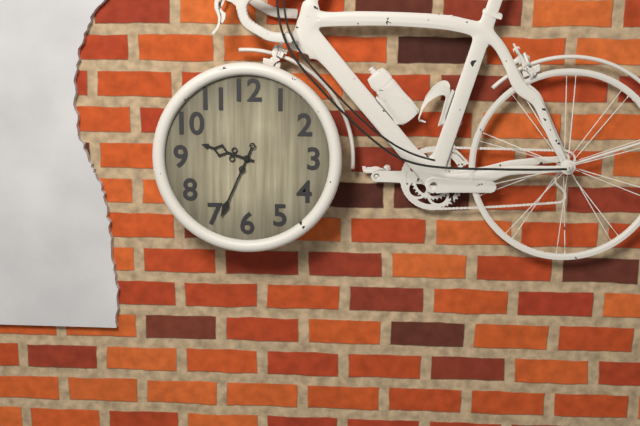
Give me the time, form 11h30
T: 9h34
